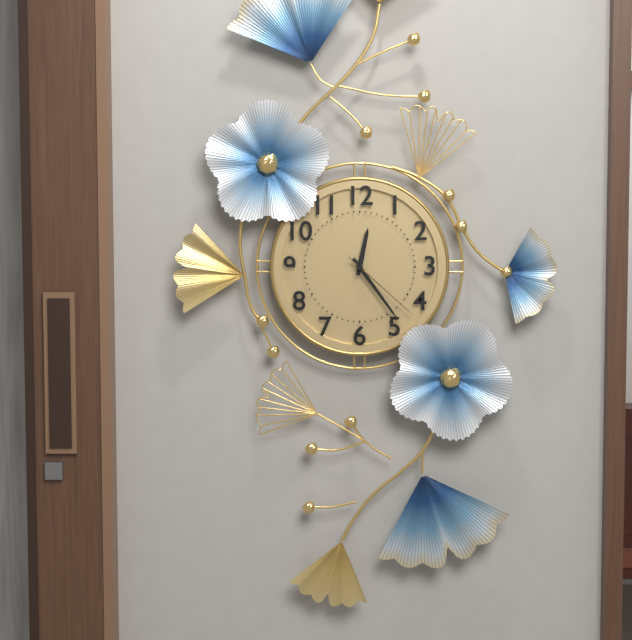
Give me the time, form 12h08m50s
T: 12h24m22s
